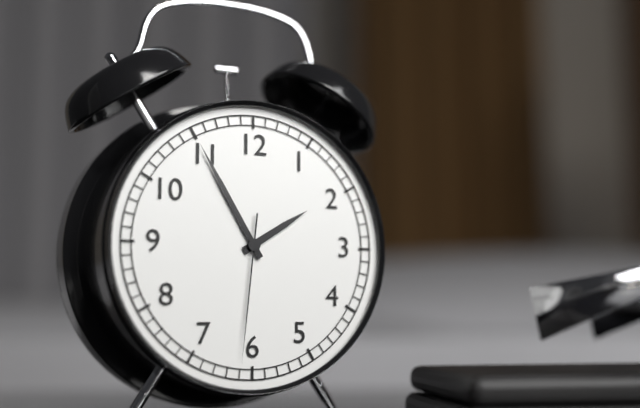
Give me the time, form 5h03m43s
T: 1h55m31s
